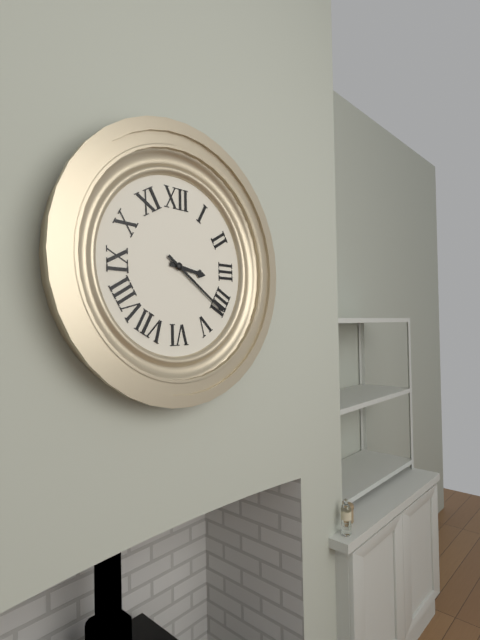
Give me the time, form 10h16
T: 3h21
